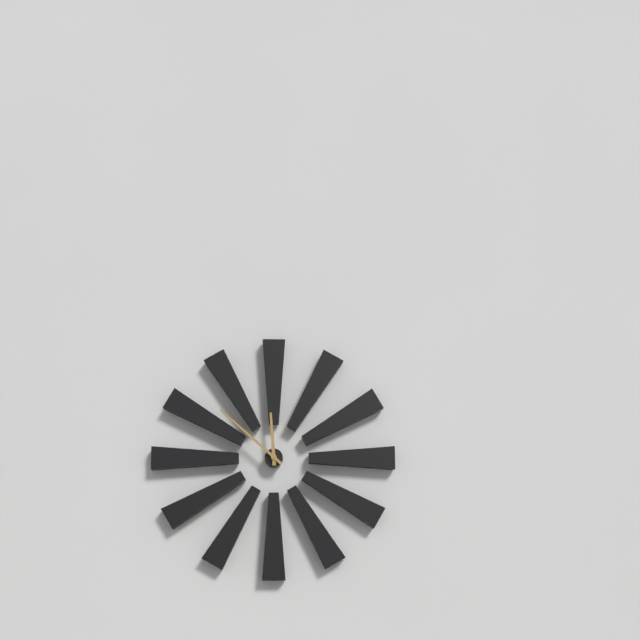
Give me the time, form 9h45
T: 11h52
